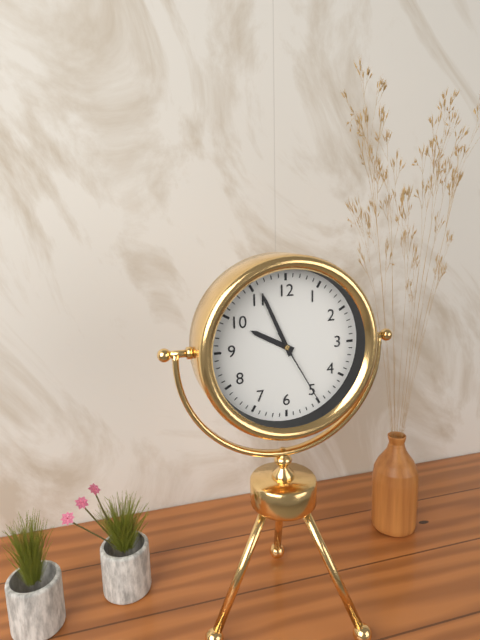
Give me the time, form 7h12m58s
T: 9h56m25s
